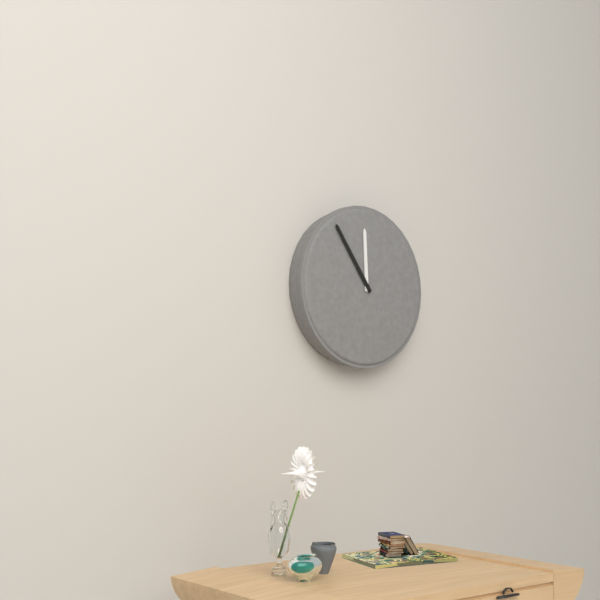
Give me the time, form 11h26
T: 11h54
